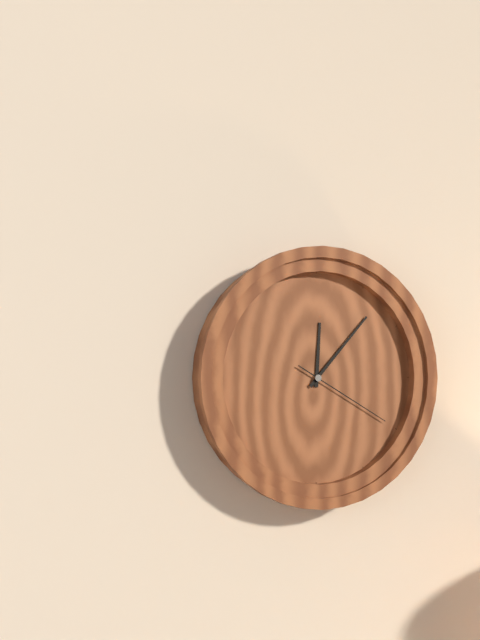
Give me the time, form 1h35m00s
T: 12h07m20s
